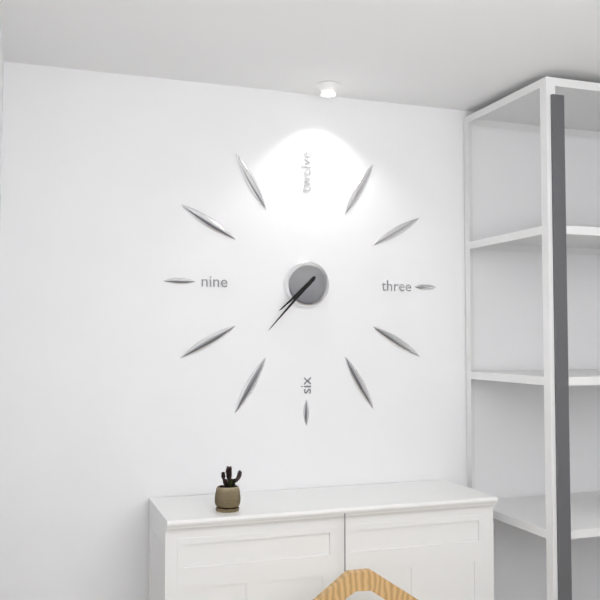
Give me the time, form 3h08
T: 7h37
